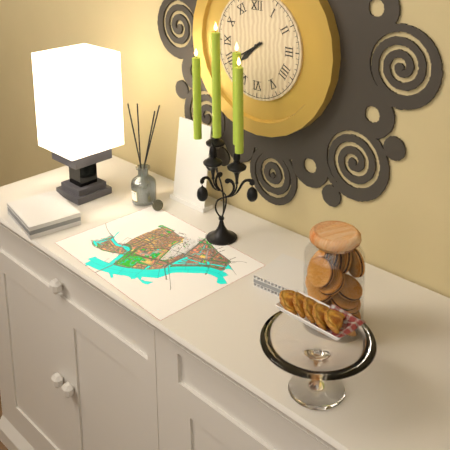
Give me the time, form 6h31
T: 7h40
